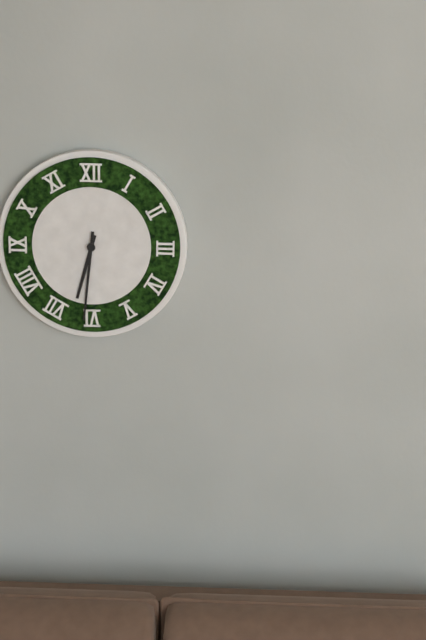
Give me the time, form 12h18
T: 6h31
